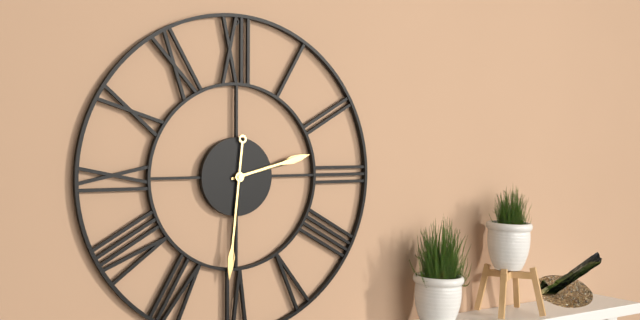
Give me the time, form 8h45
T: 2h31
